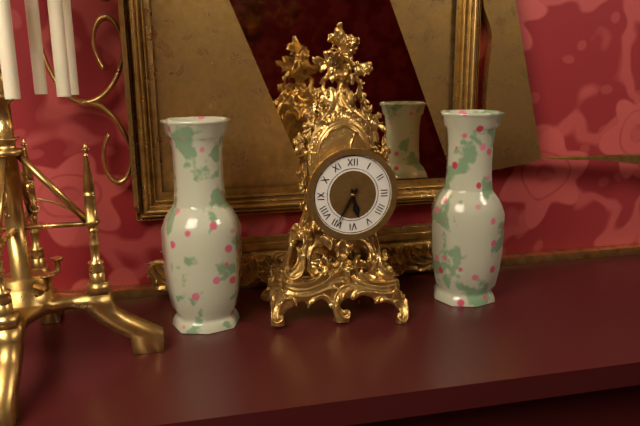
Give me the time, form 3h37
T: 5h35
